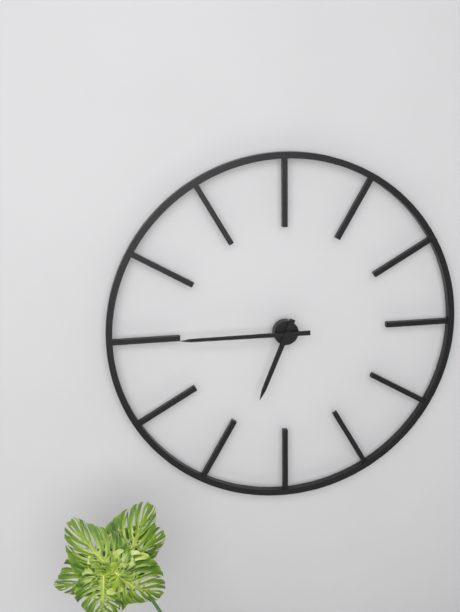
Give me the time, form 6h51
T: 6h45
